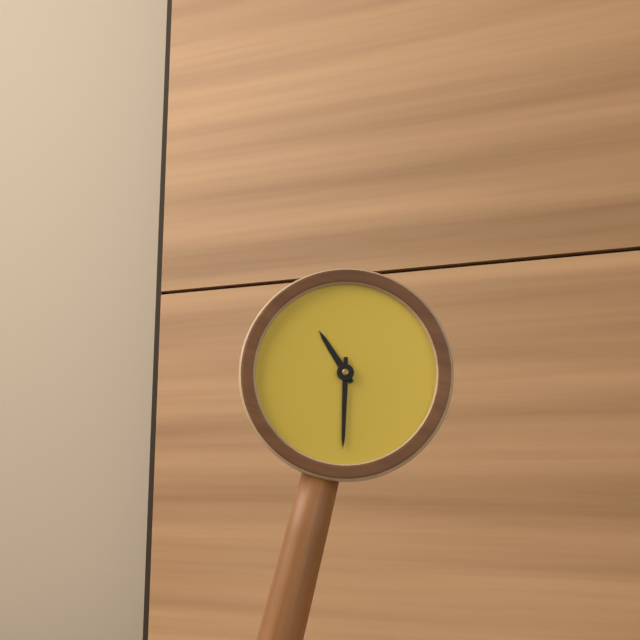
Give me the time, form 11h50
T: 10h28
